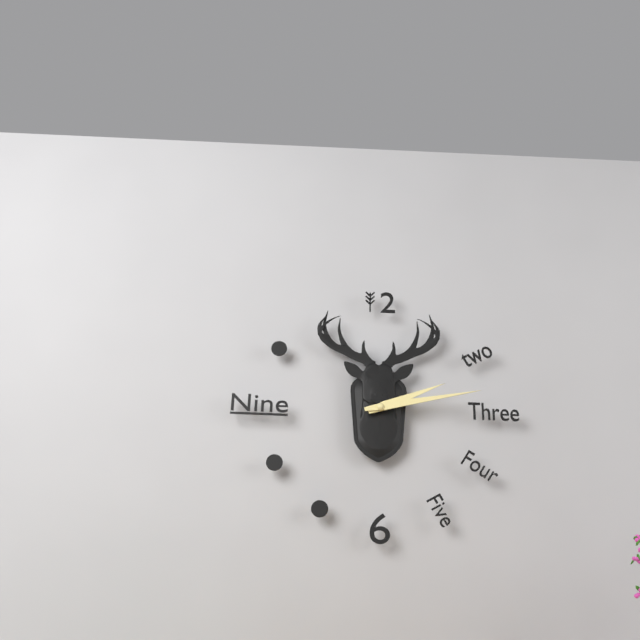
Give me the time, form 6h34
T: 2h13
